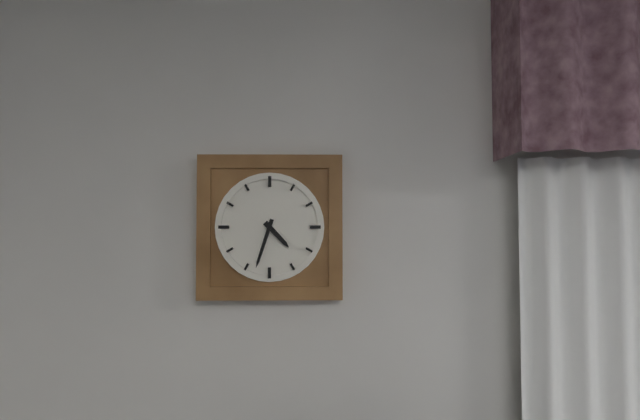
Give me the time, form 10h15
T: 4h33
